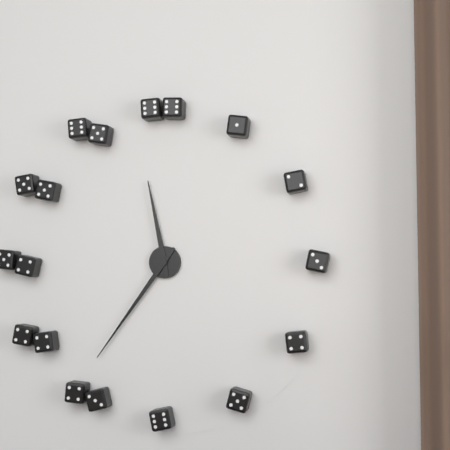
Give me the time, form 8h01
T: 11h36
